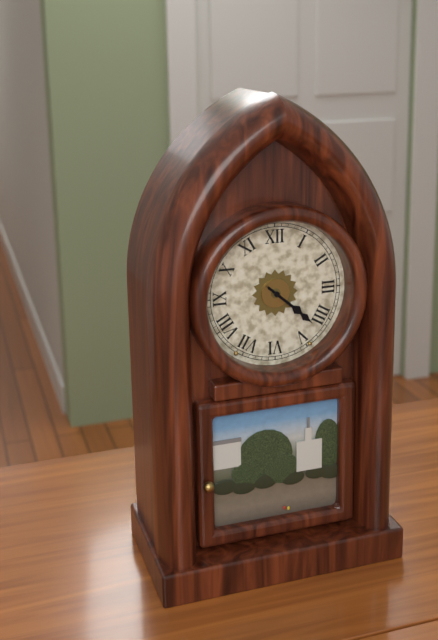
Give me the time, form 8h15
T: 4h22
